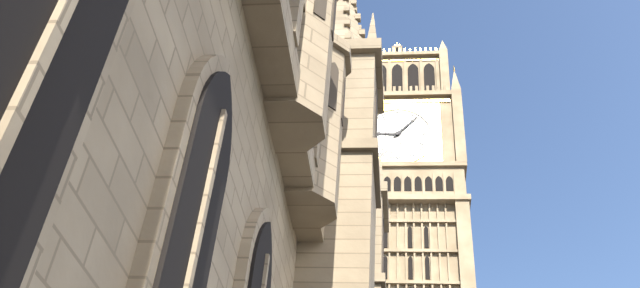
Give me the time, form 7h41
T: 9h07
